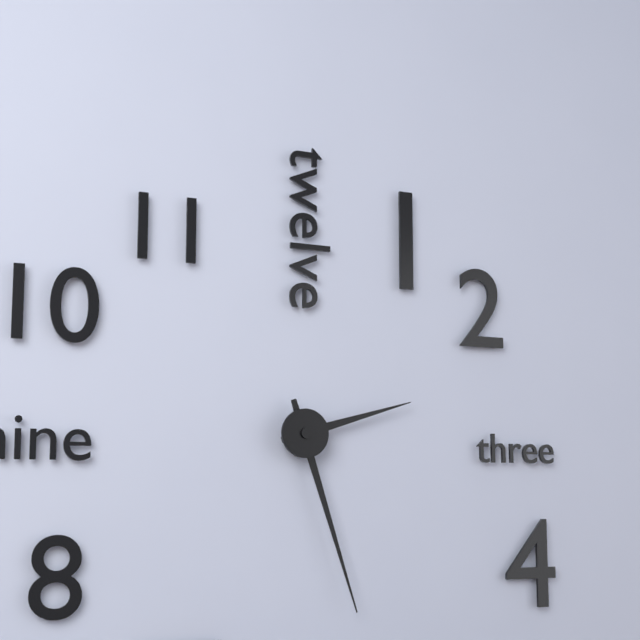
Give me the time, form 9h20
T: 2h27
